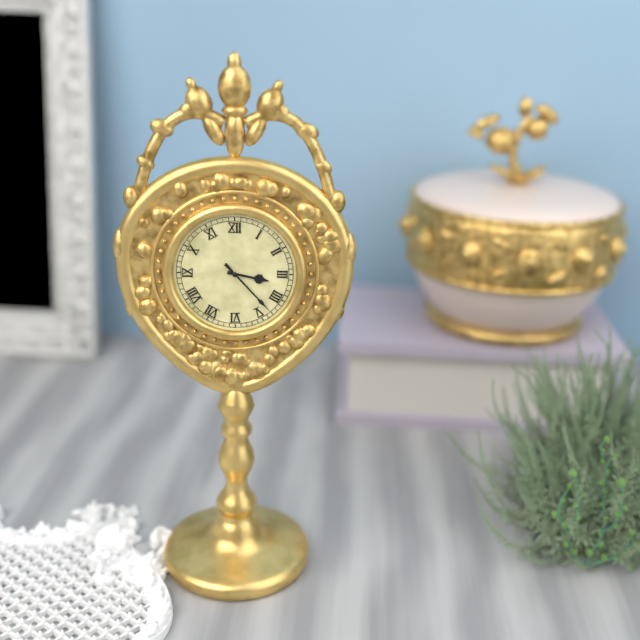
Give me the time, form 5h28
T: 3h23
